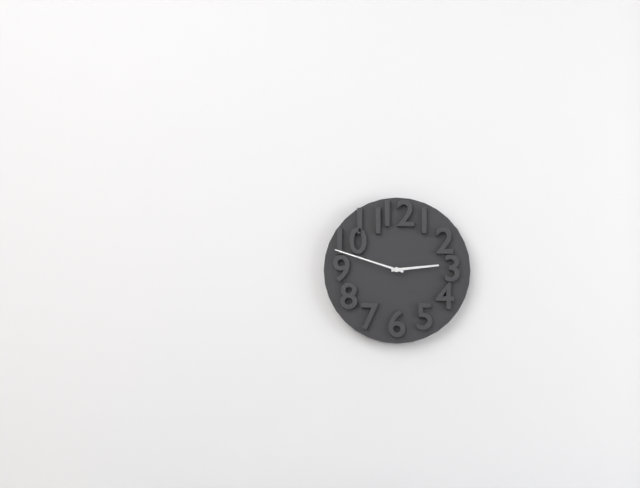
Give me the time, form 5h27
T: 2h48
